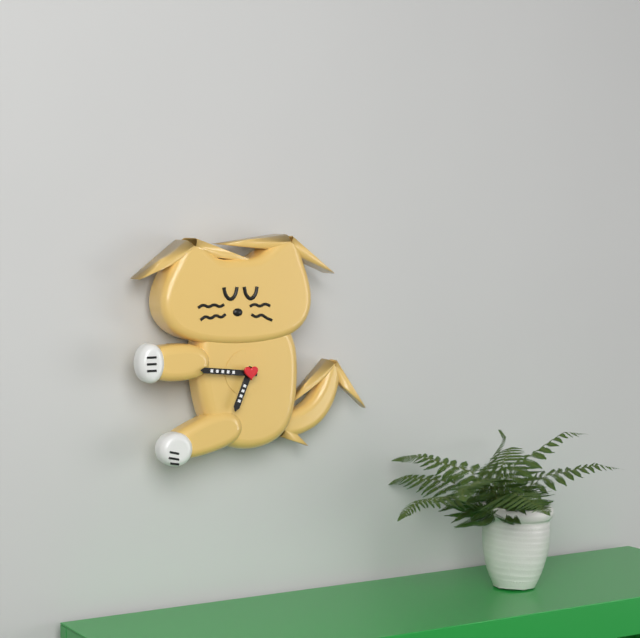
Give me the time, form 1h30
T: 6h46
